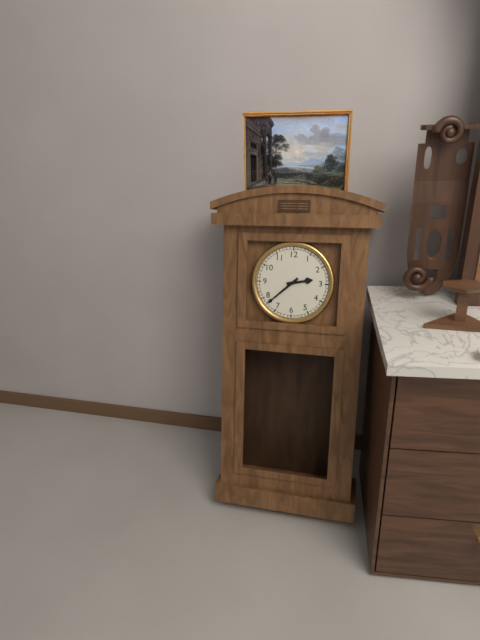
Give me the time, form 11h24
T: 2h38
